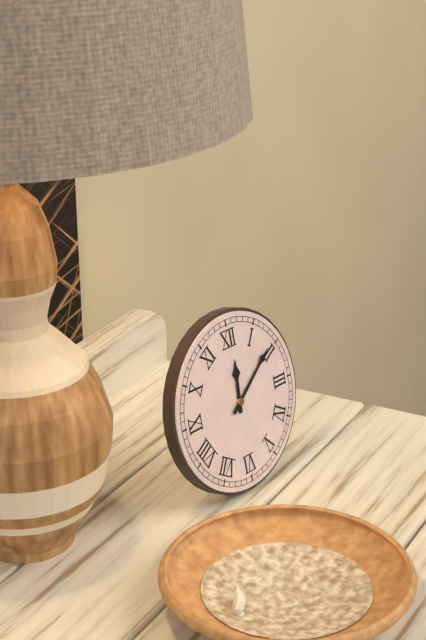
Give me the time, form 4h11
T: 12h09
